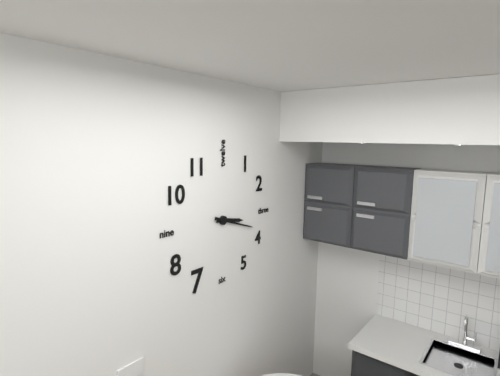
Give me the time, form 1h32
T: 3h18
